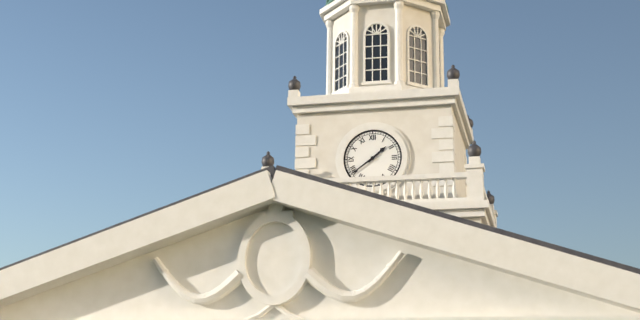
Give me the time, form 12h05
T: 1h39
